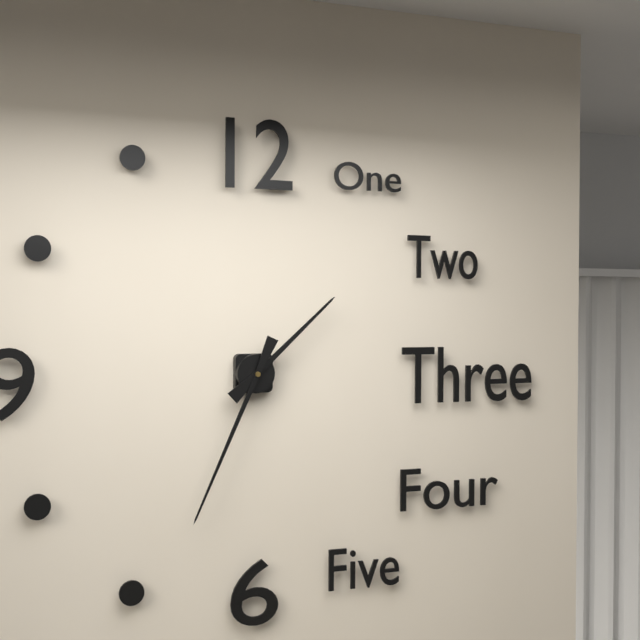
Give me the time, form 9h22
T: 1h34
